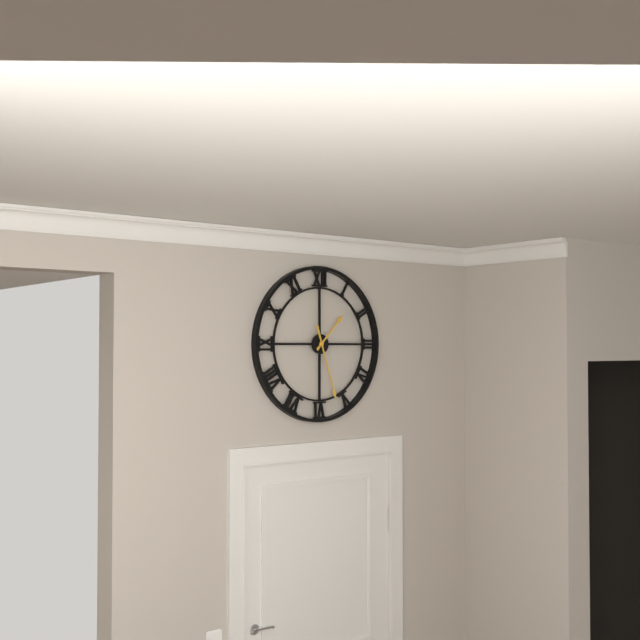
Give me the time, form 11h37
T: 1h27
